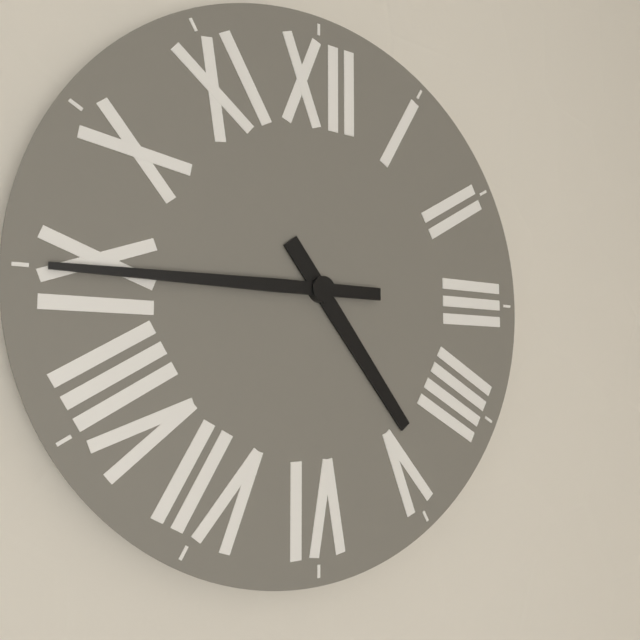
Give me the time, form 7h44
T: 4h45
